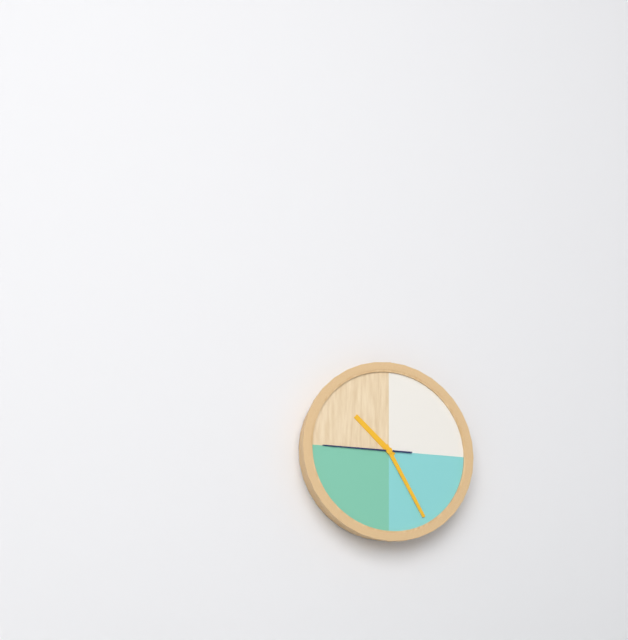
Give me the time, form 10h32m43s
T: 10h25m45s
